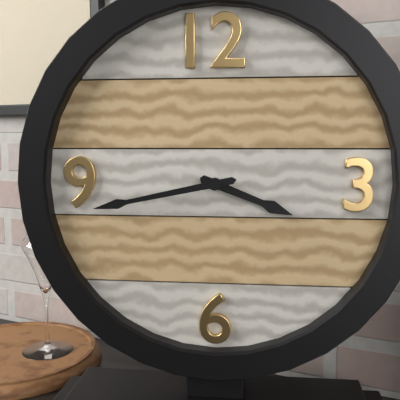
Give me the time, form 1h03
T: 3h43
